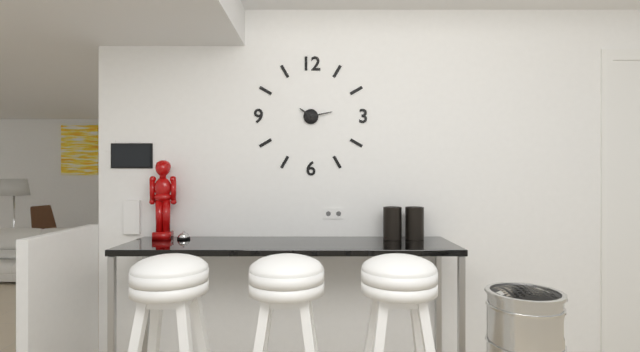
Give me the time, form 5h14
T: 10h13
